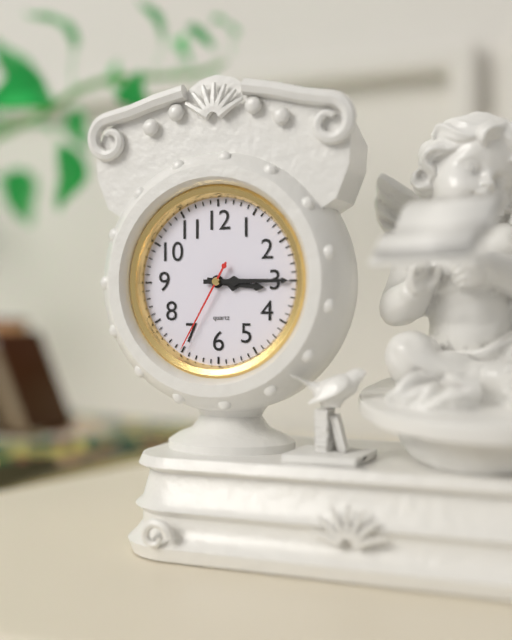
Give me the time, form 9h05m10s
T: 3h15m35s
